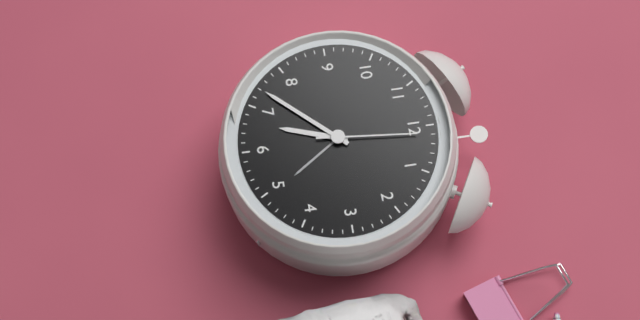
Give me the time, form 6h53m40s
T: 6h37m01s
